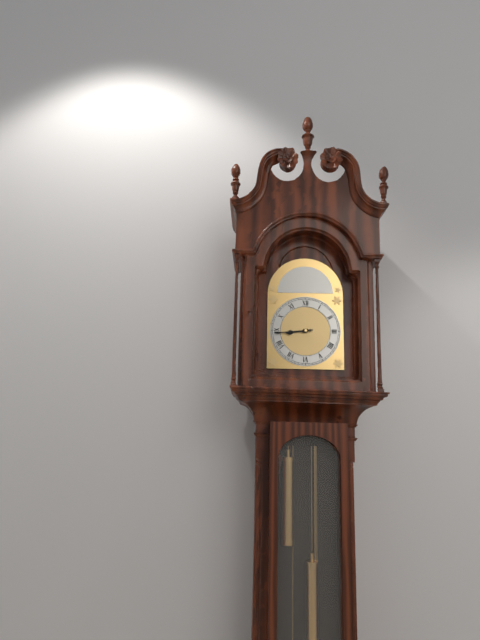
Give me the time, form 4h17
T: 8h44
